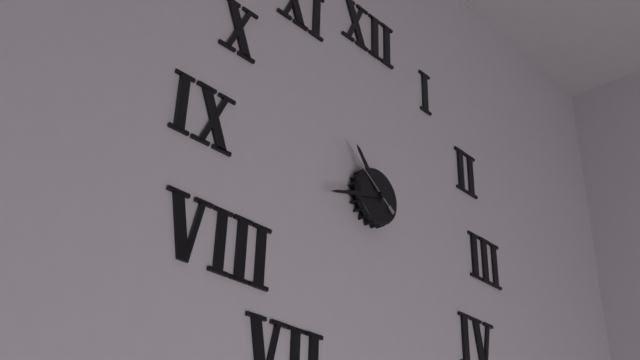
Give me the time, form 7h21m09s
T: 10h42m51s
